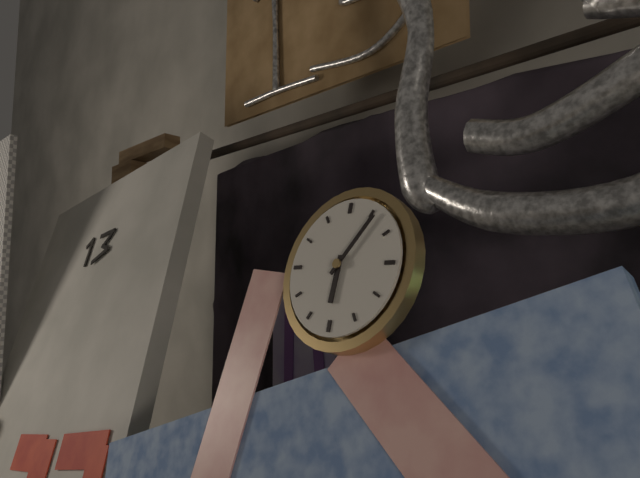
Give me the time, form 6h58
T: 6h06
